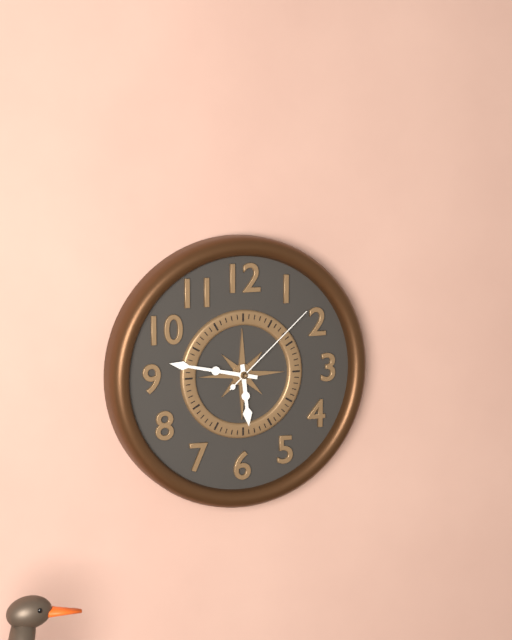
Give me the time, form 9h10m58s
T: 5h47m08s
